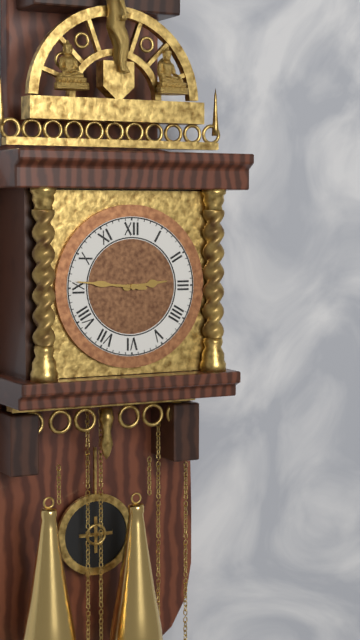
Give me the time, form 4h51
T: 2h46
